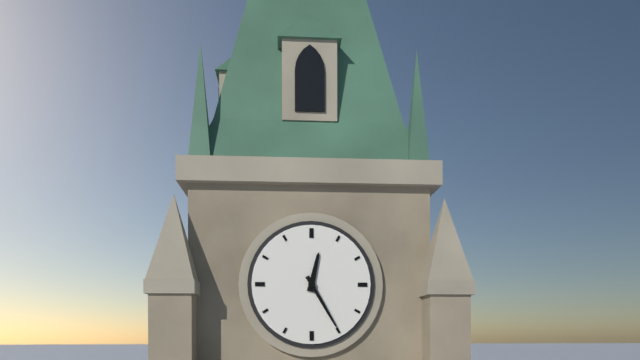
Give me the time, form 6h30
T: 12h25
